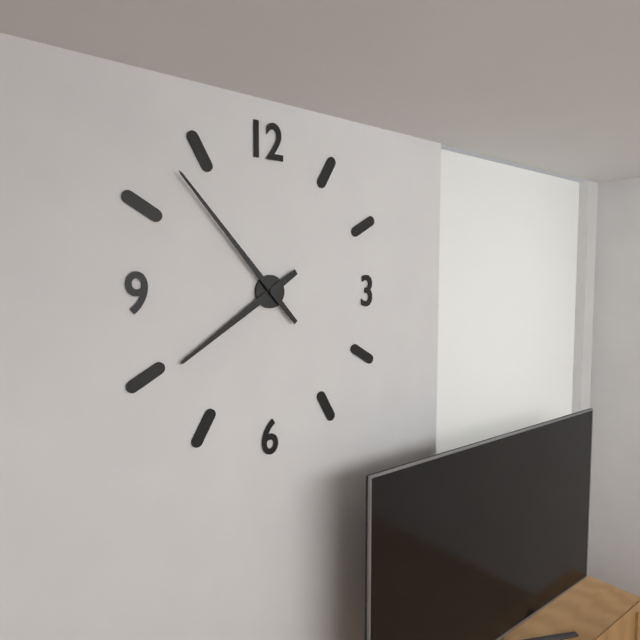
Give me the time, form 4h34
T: 7h53
